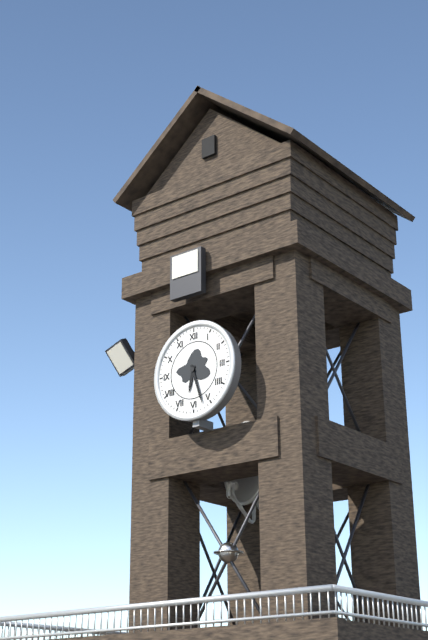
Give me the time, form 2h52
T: 6h27
